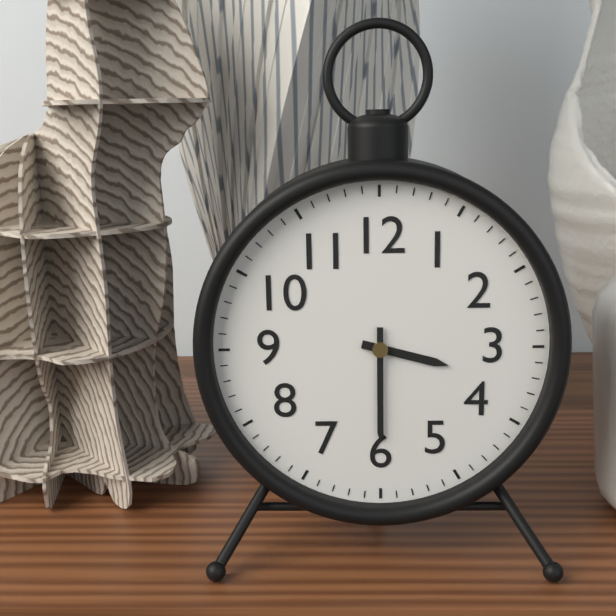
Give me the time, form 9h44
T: 3h30
